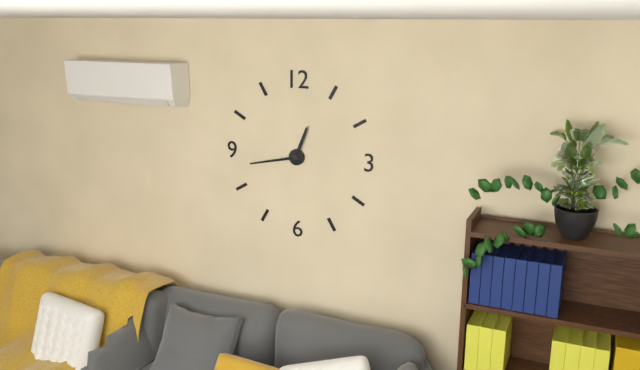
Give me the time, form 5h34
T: 12h43
